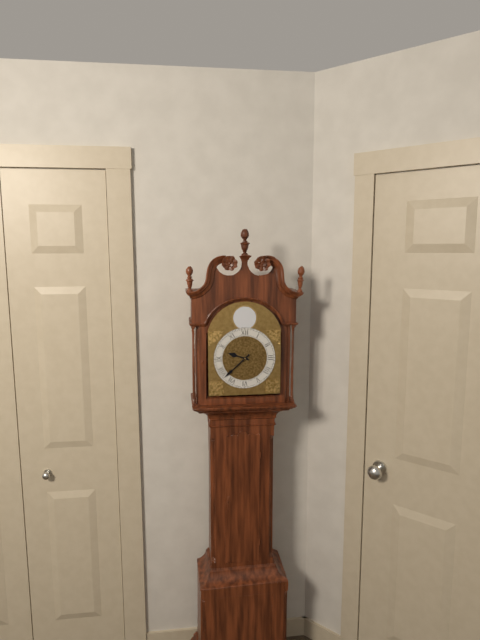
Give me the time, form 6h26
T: 9h38
